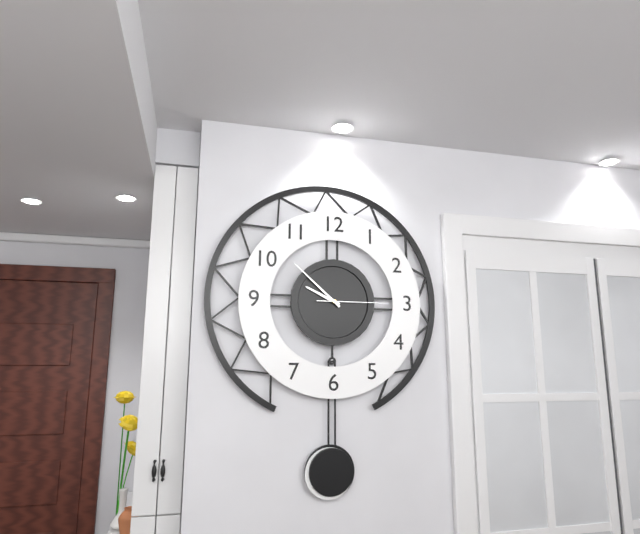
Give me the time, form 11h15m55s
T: 9h52m15s
